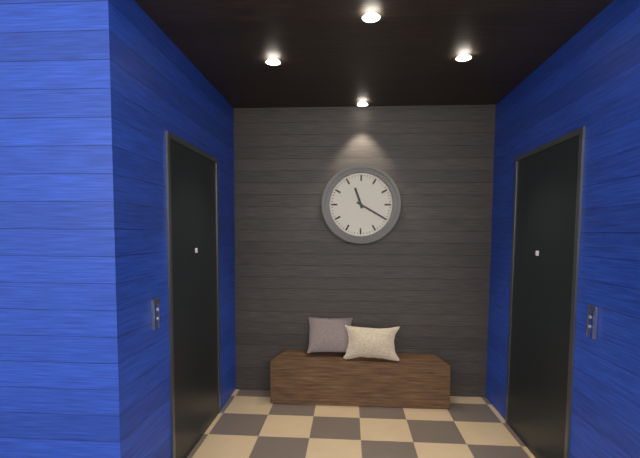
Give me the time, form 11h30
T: 11h20
